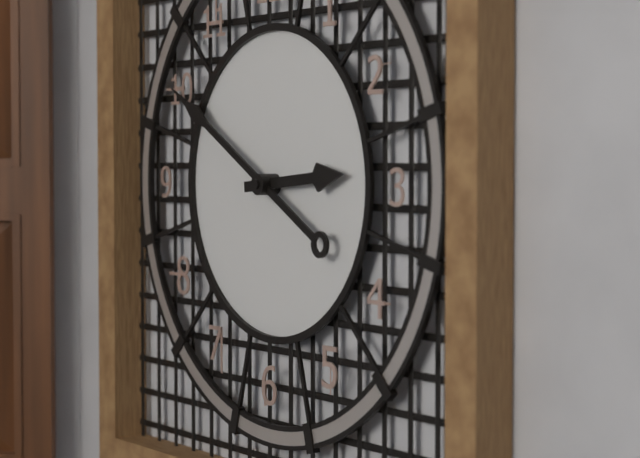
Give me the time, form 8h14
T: 2h50
